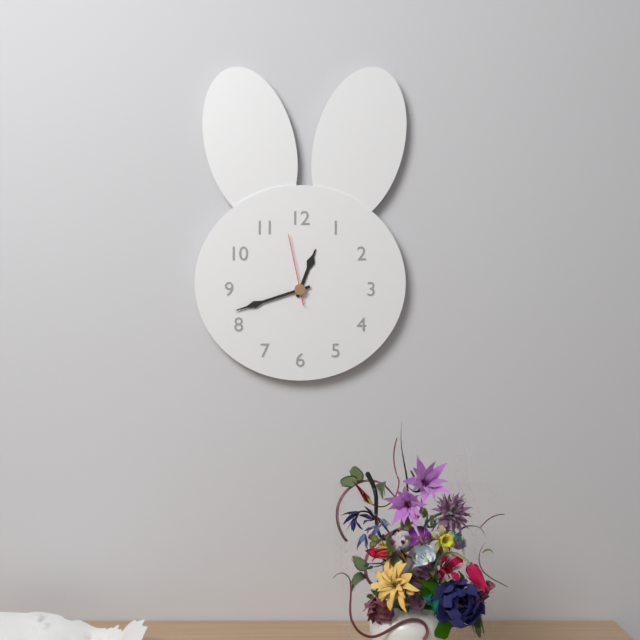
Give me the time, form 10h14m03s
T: 12h42m58s
